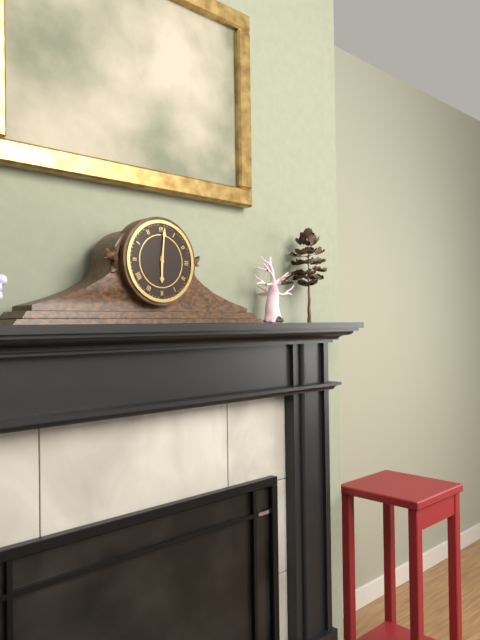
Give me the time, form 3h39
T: 6h01
